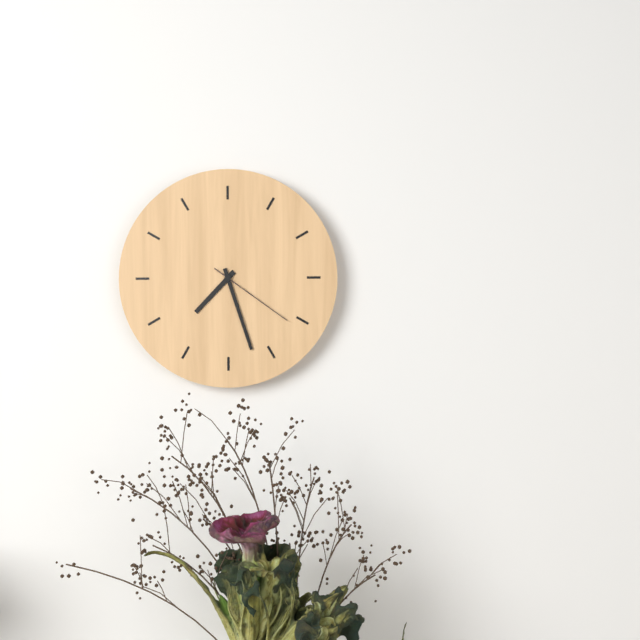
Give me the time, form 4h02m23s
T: 7h27m21s
